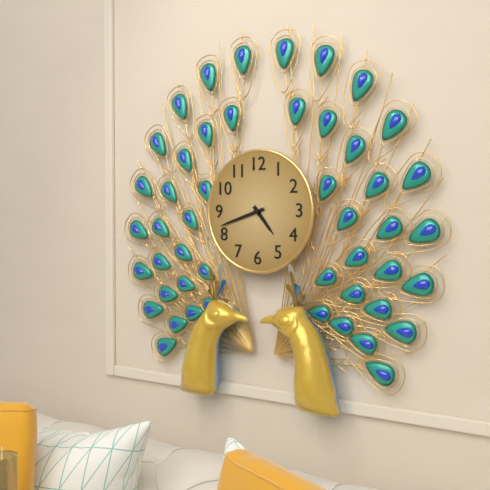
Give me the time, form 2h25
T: 4h42
